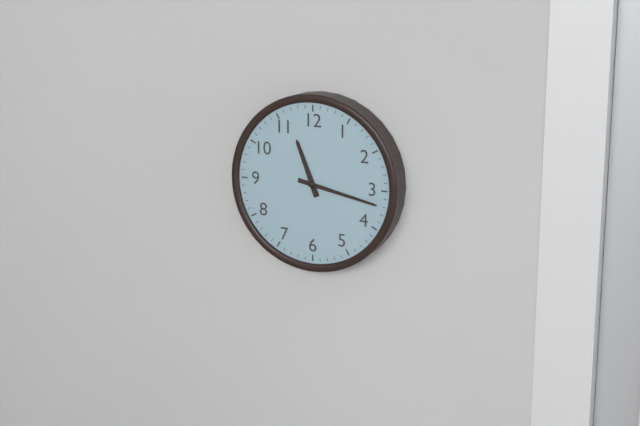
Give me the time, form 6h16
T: 11h17
